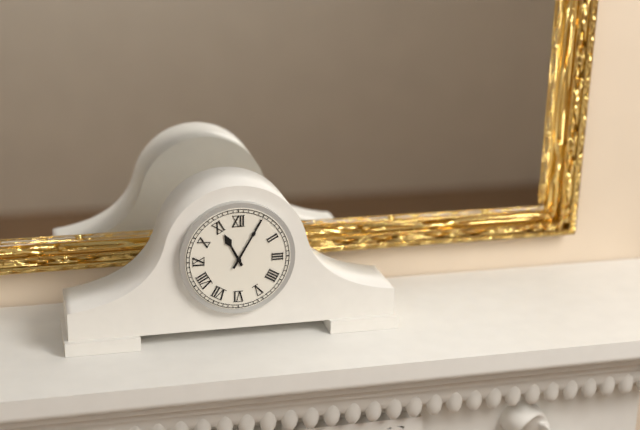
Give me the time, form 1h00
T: 11h05
